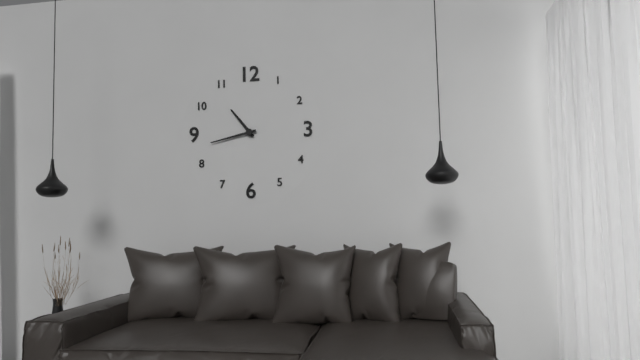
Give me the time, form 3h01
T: 10h43
